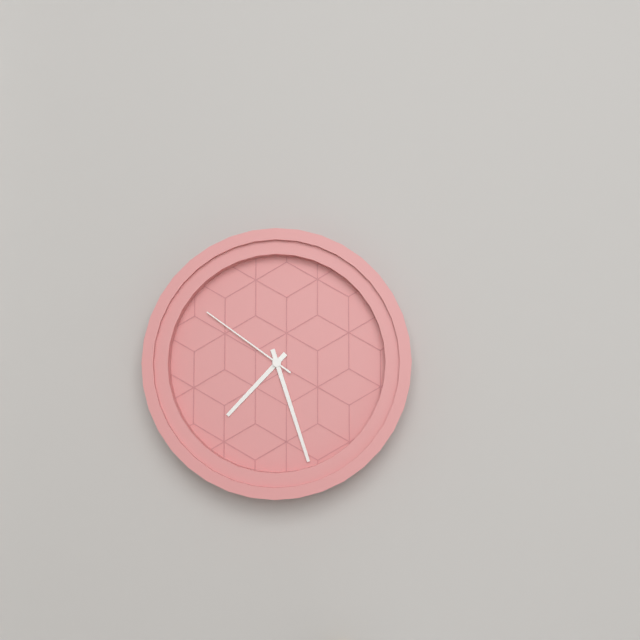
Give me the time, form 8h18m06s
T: 7h27m51s
